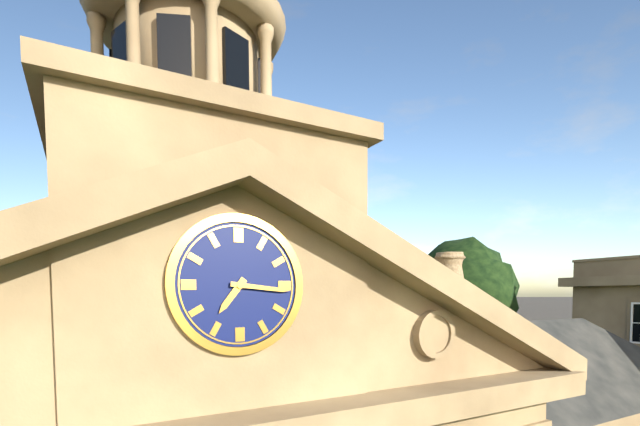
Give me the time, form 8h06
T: 7h16
